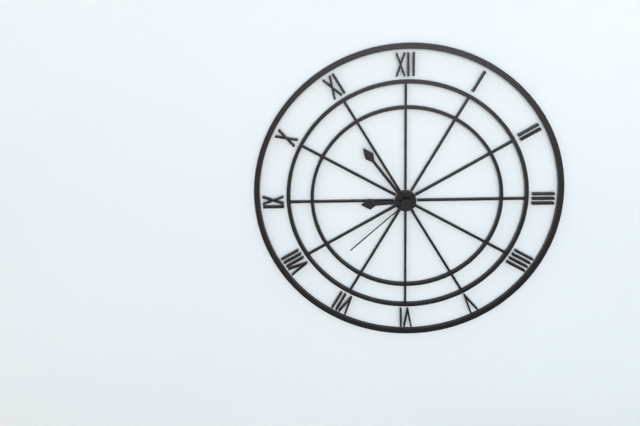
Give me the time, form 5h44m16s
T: 8h54m38s
